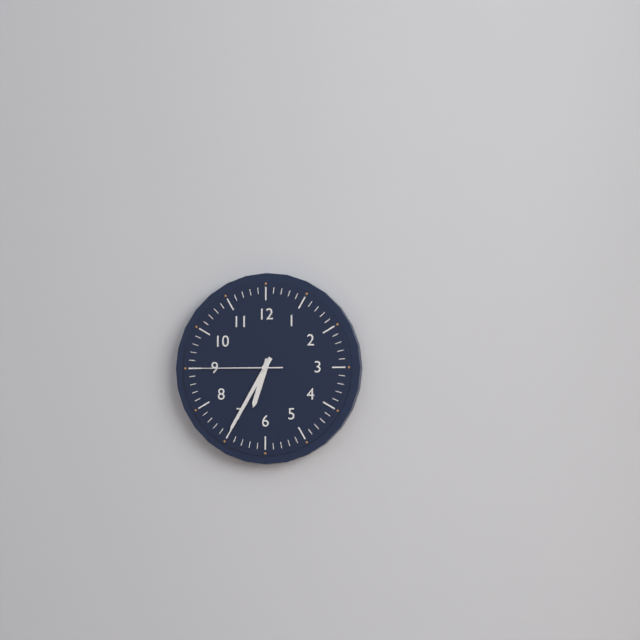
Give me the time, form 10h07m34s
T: 6h35m45s
